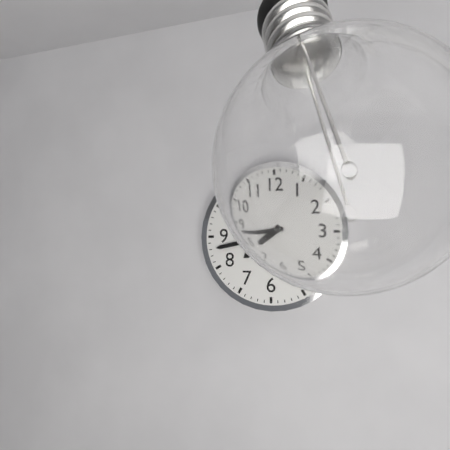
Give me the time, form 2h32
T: 7h43
